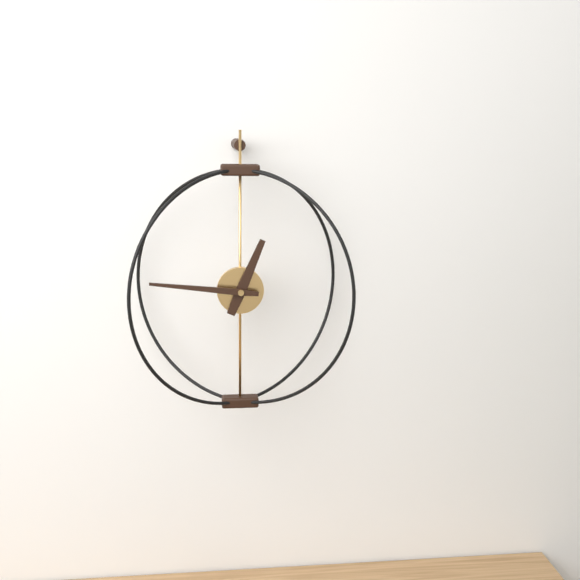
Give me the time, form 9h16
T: 12h46
